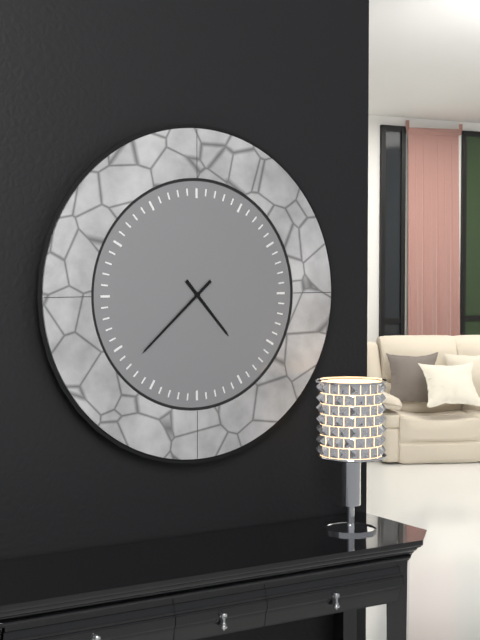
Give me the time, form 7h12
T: 4h38
